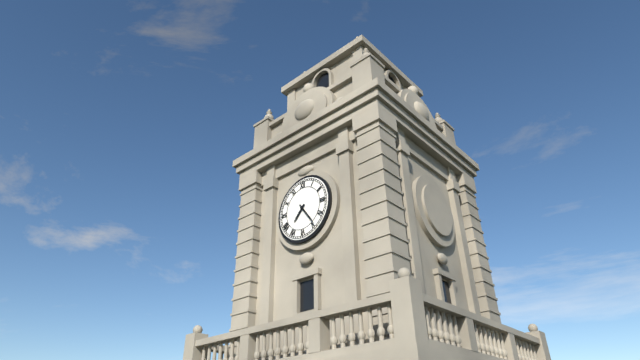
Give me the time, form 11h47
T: 7h24
